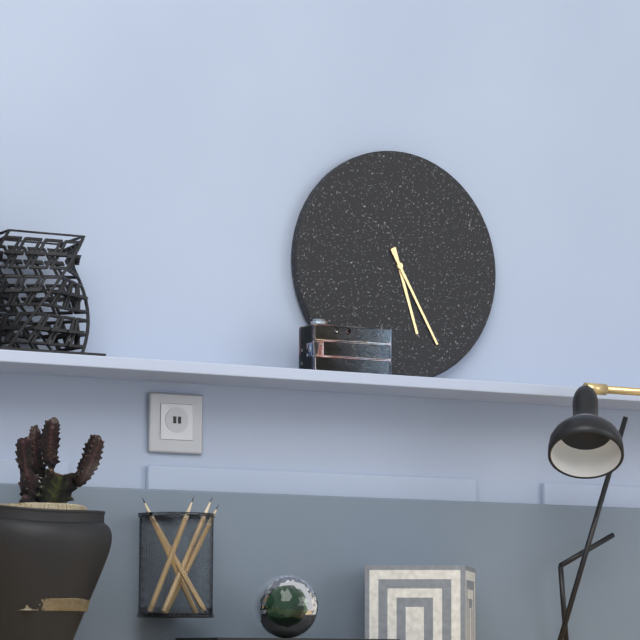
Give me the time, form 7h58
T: 5h25
